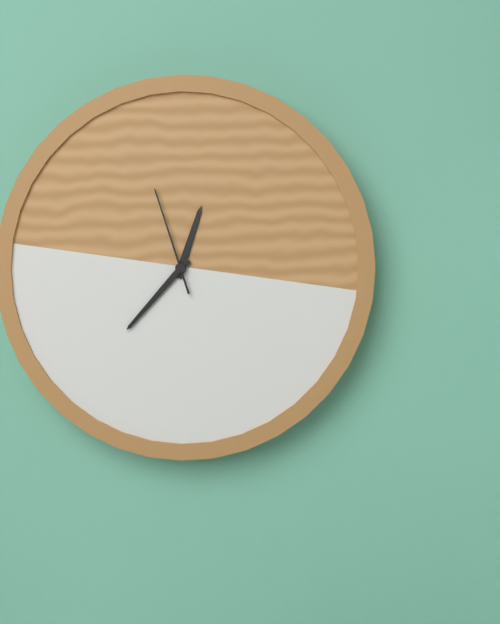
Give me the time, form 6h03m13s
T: 12h37m57s
